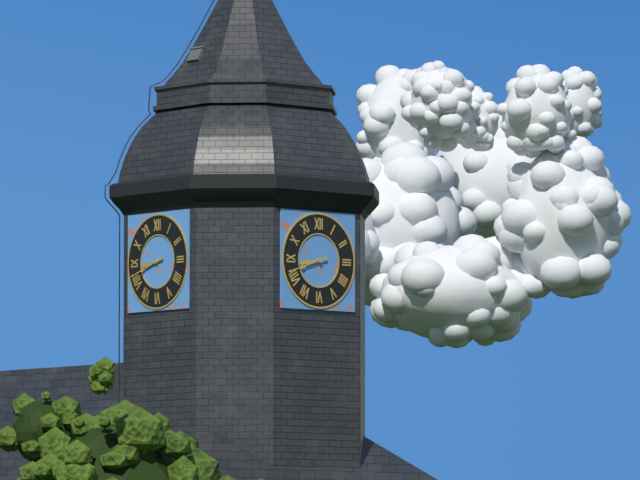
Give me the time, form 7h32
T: 8h42
